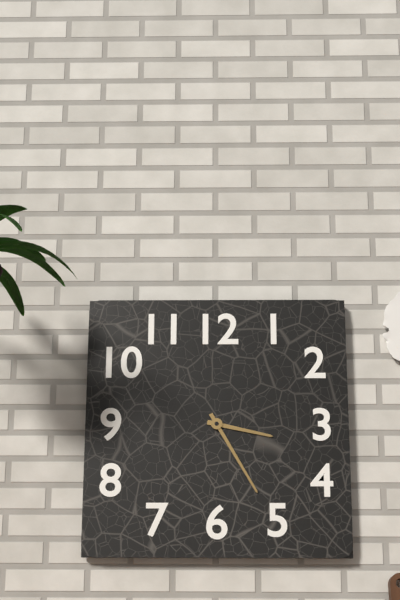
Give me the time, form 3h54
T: 3h25
